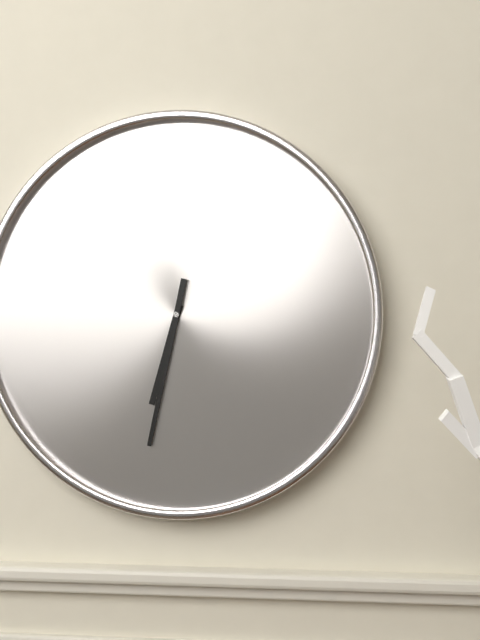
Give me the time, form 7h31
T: 6h32
